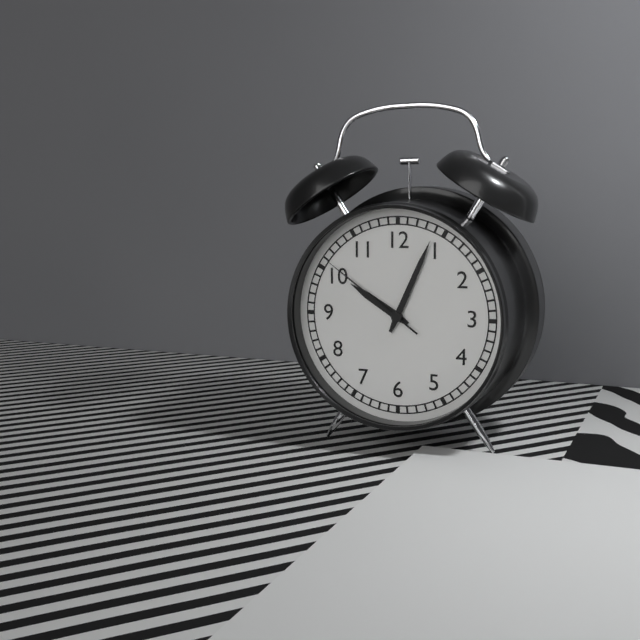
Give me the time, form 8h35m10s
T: 10h04m51s
